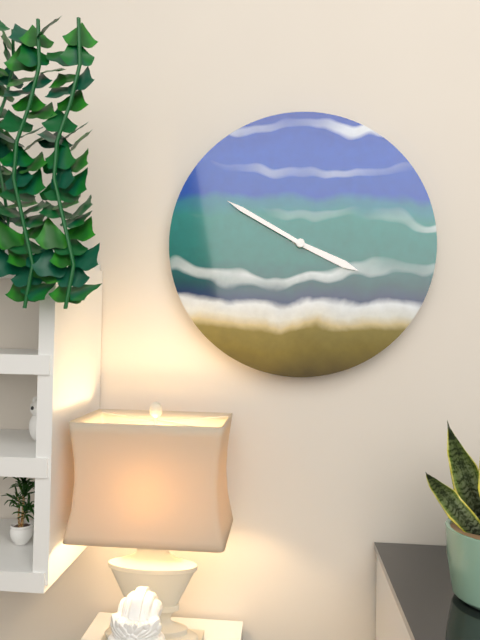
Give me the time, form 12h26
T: 3h50
